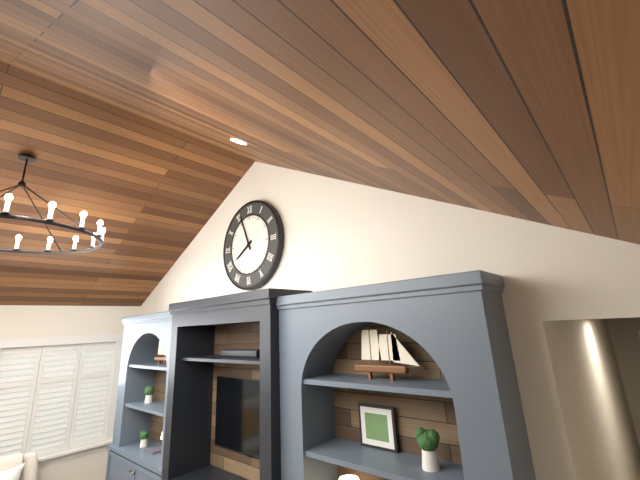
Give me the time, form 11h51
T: 7h56
